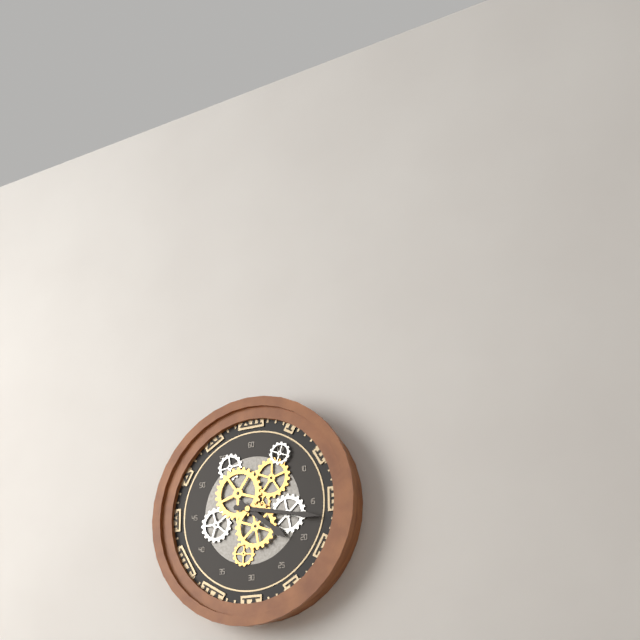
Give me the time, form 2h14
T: 4h17
